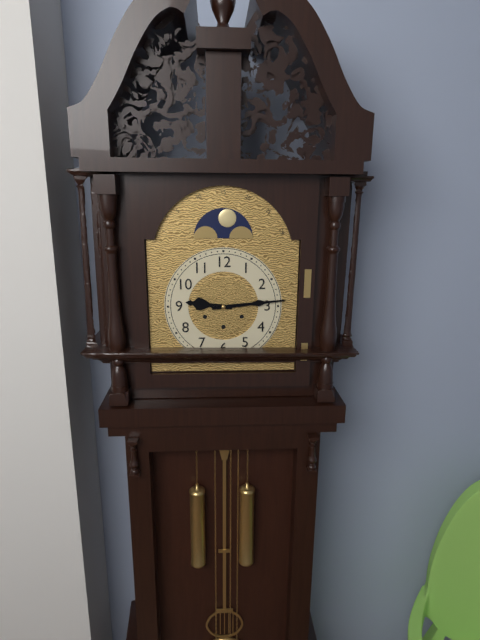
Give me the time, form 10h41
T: 9h14
